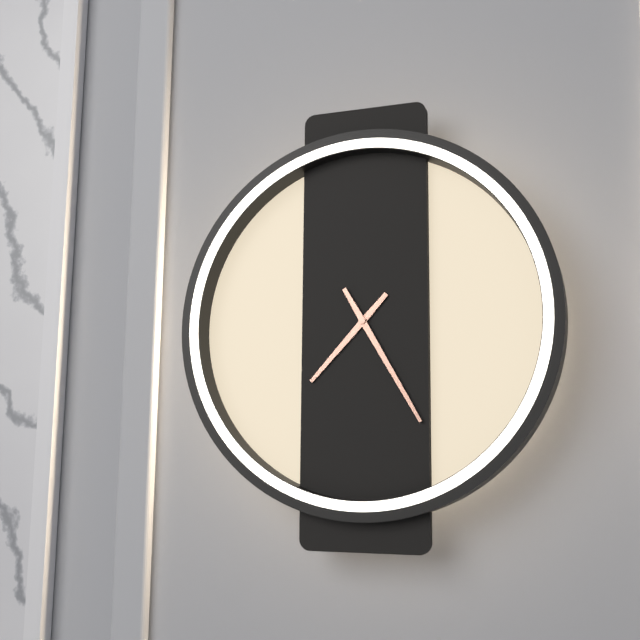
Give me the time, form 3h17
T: 7h25
